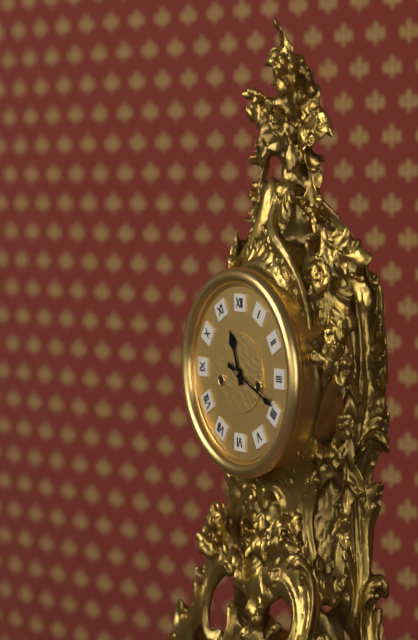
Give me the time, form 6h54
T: 11h19
